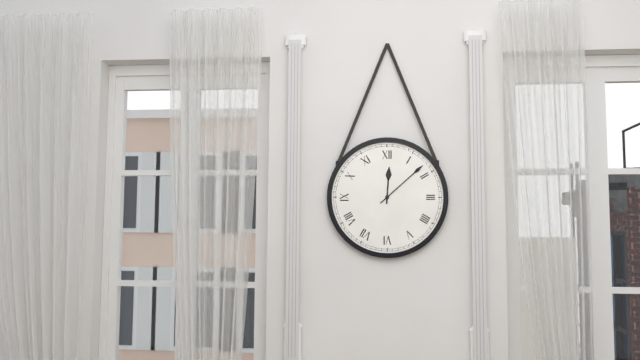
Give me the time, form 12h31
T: 12h08
